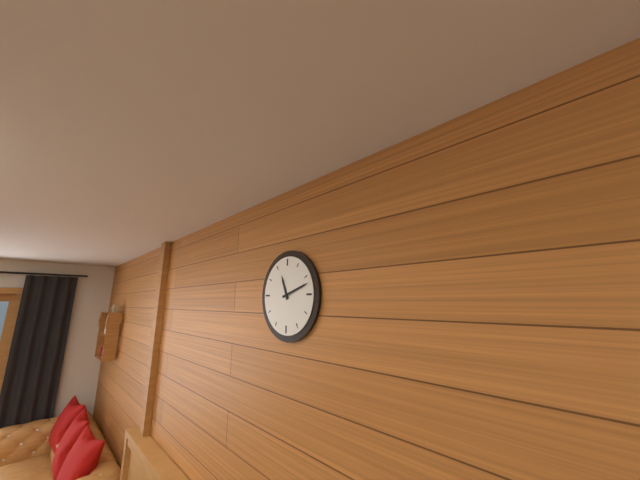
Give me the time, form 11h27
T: 11h12
